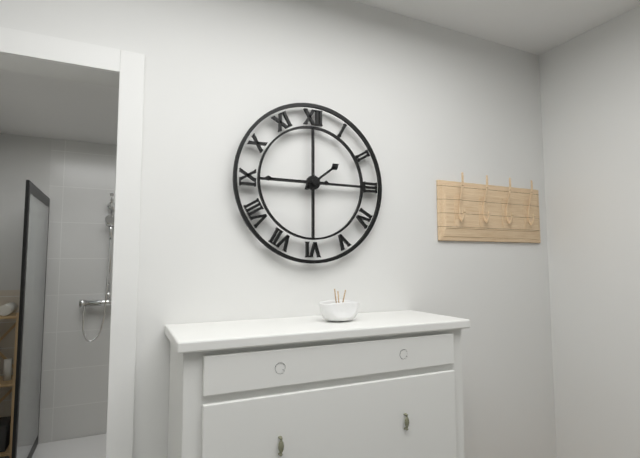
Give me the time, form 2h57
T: 1h45
